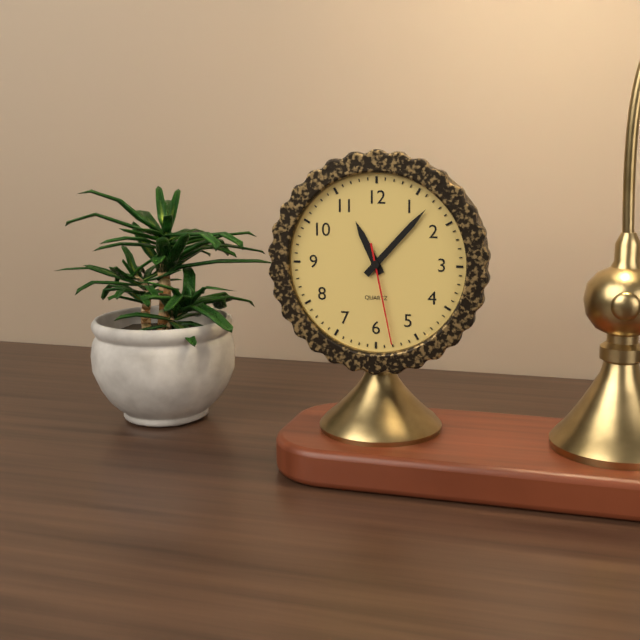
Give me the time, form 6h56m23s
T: 11h07m28s
